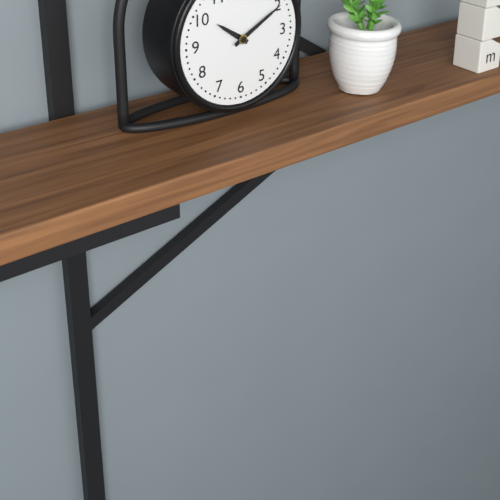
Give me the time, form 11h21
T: 10h10
